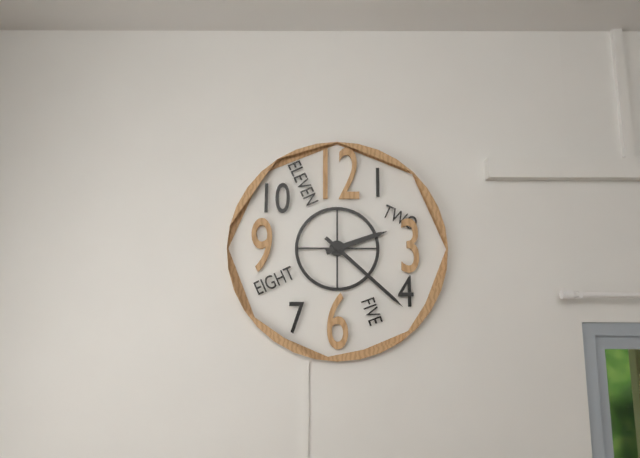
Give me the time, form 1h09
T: 2h22
